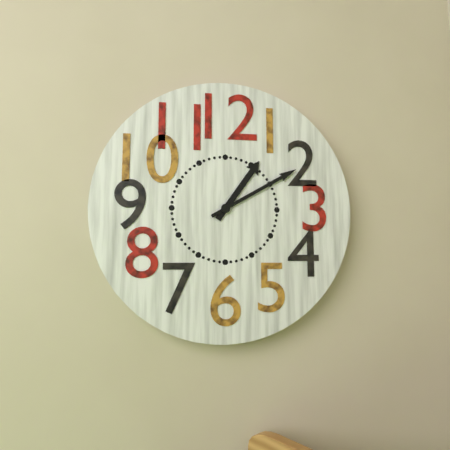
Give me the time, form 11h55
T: 1h10
